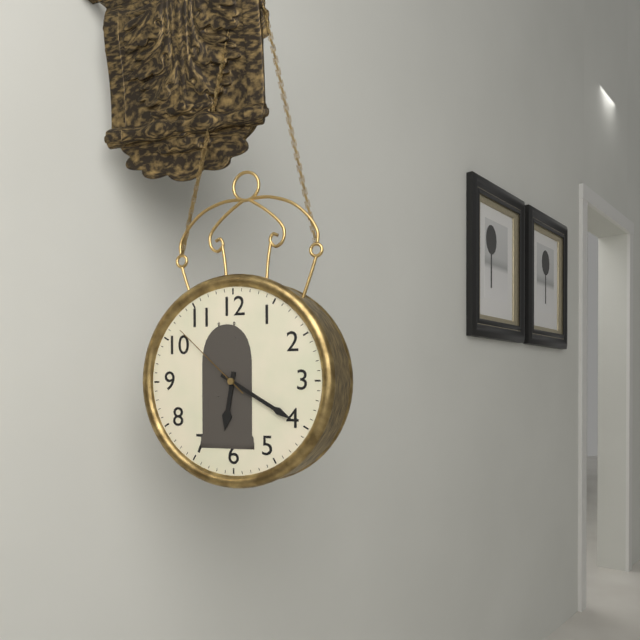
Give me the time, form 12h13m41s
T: 6h20m52s
